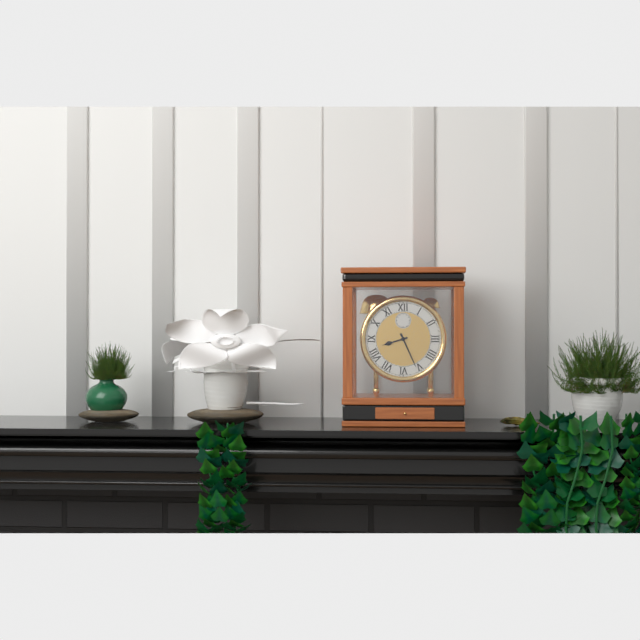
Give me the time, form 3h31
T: 8h26
